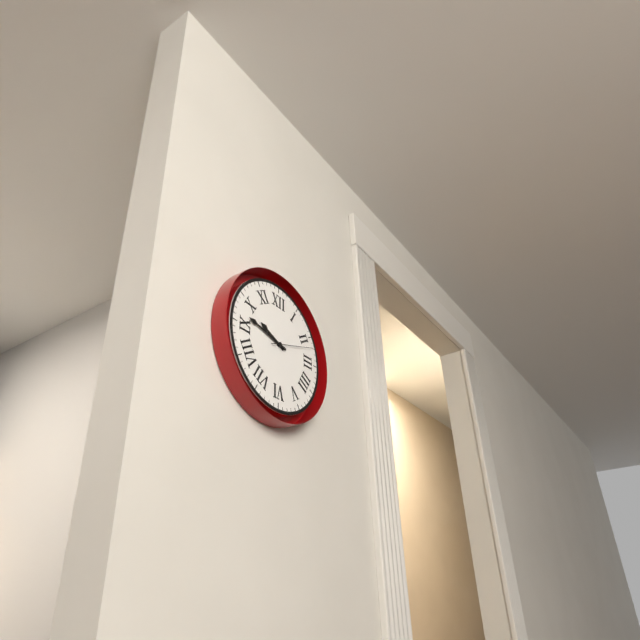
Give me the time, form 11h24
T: 9h47
